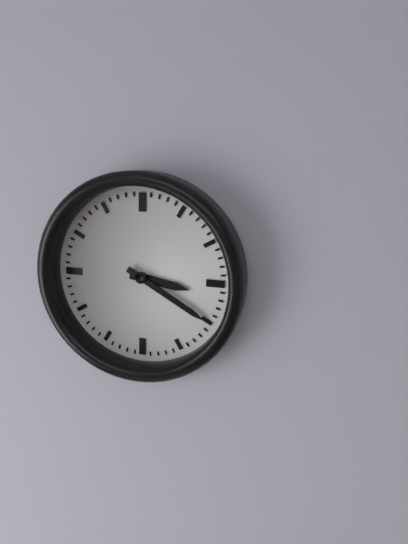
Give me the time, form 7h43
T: 3h20
